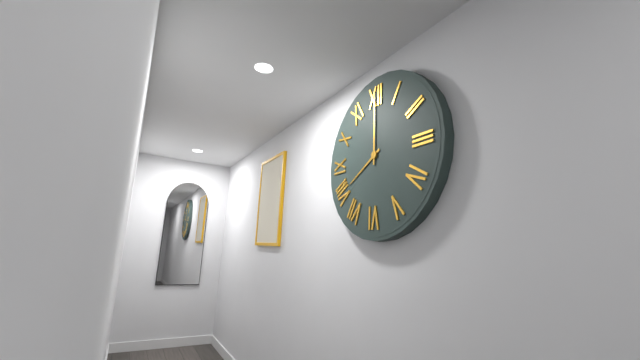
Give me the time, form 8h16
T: 8h00
